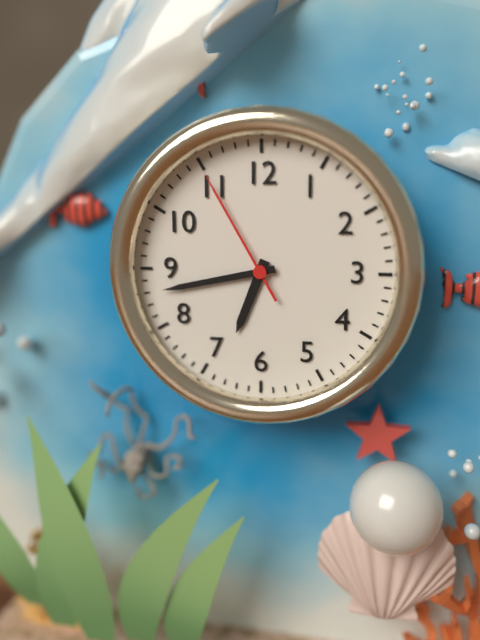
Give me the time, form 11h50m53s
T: 6h43m55s
